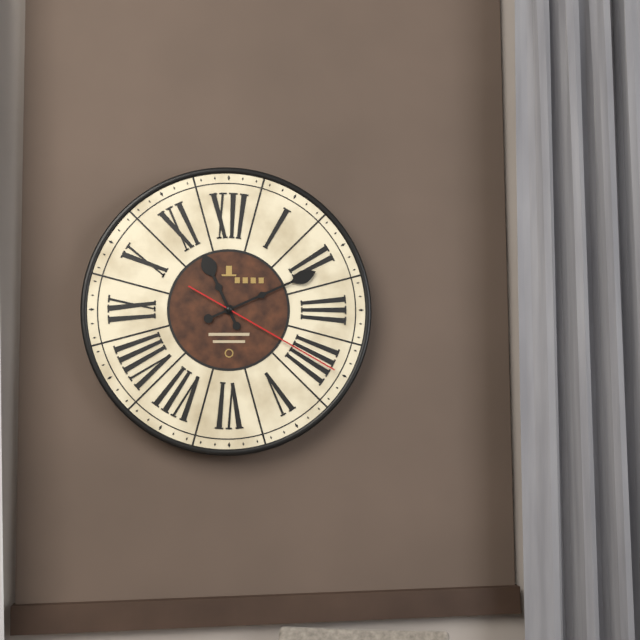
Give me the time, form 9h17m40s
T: 11h11m20s
